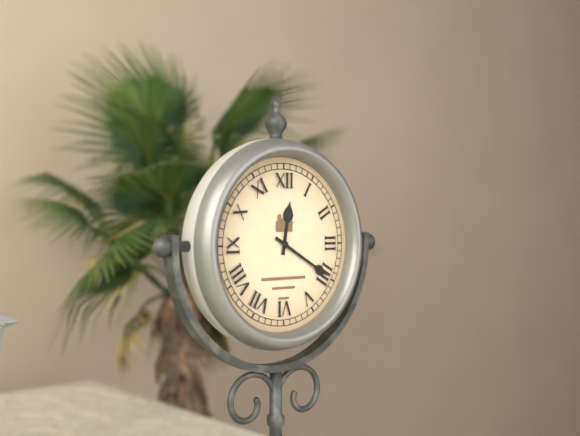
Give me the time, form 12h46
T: 12h20
